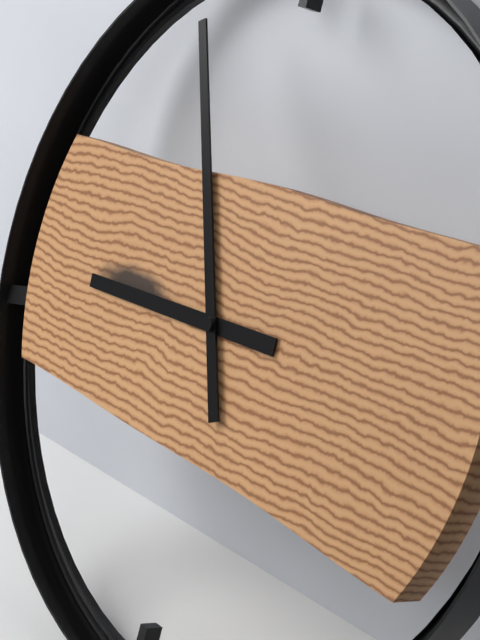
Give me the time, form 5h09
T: 8h56
